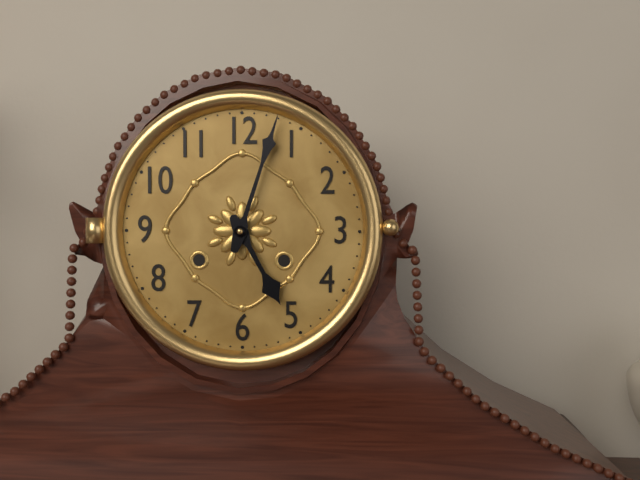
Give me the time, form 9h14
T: 5h03
